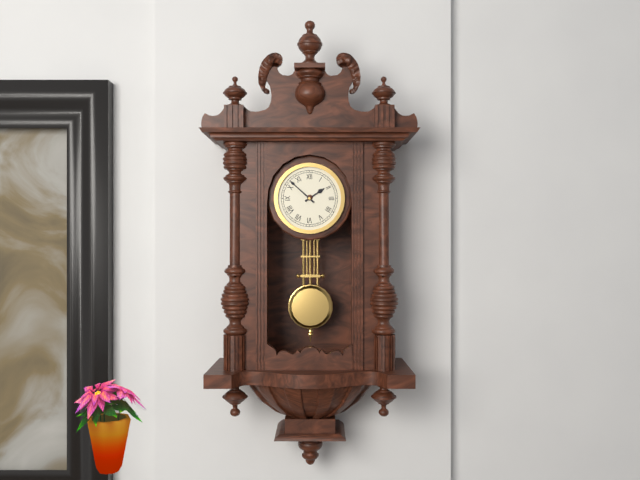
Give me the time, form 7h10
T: 1h52
